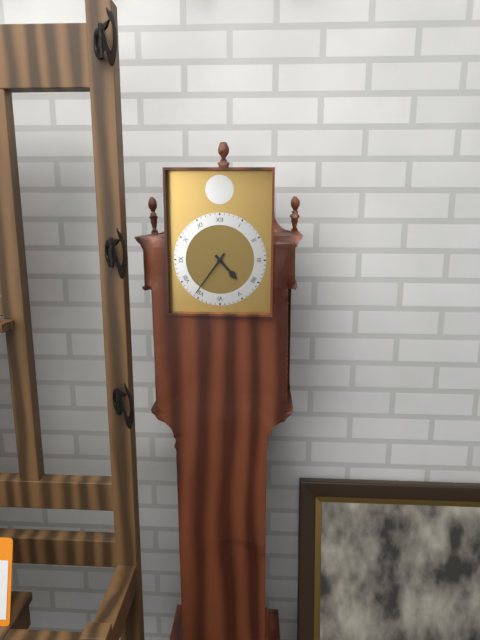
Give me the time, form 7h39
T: 4h36
